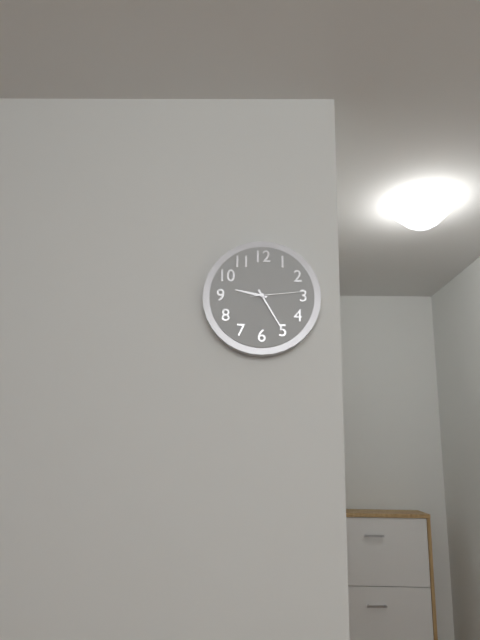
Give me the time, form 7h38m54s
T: 9h25m14s
